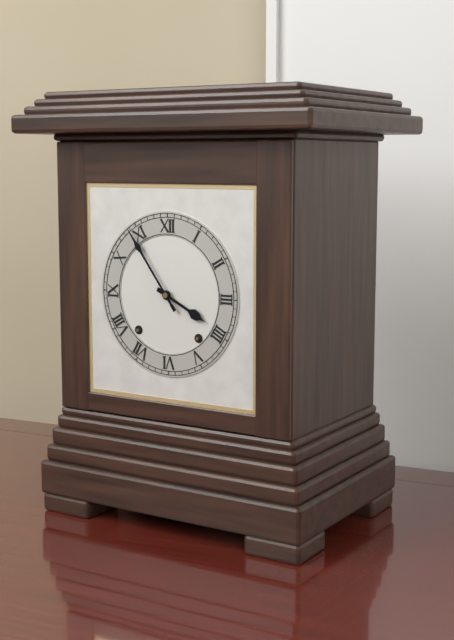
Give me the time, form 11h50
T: 3h54
